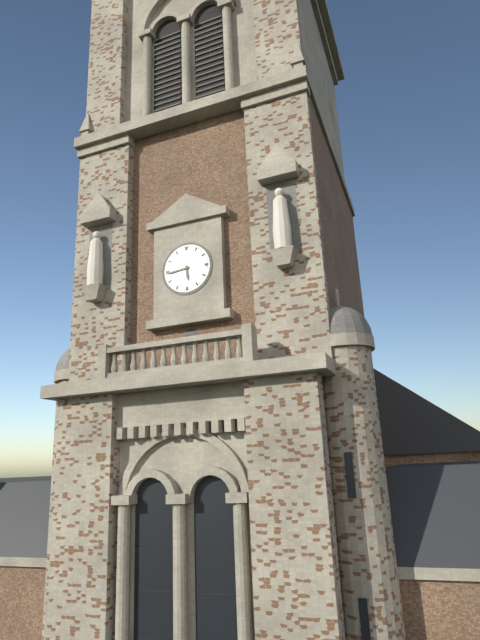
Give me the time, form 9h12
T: 5h44
